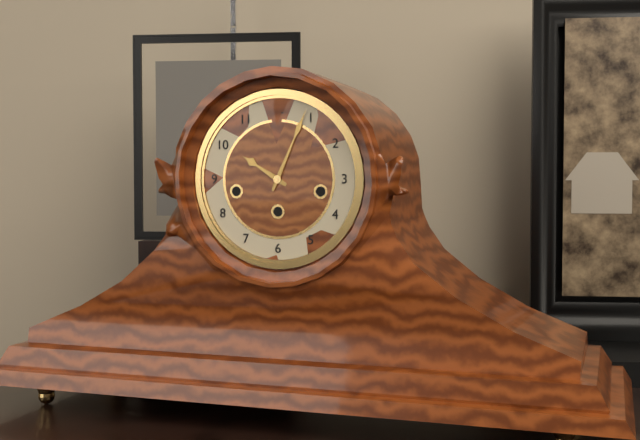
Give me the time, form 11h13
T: 10h04
